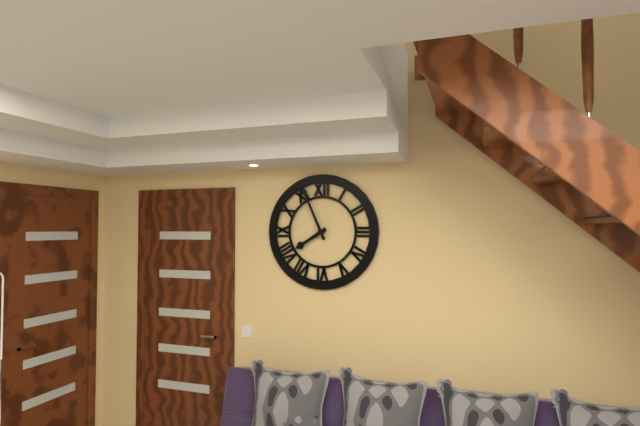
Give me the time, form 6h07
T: 7h56
